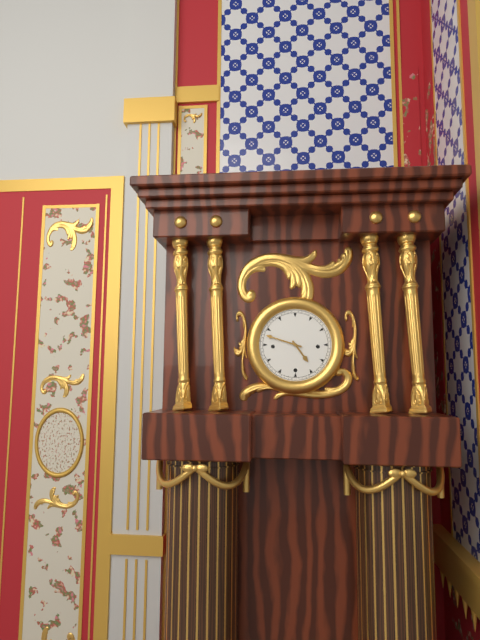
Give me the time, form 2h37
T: 4h48
